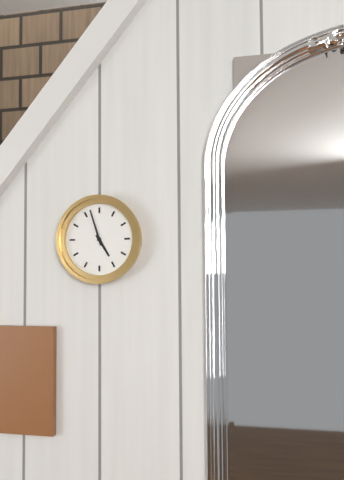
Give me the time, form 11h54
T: 4h57
